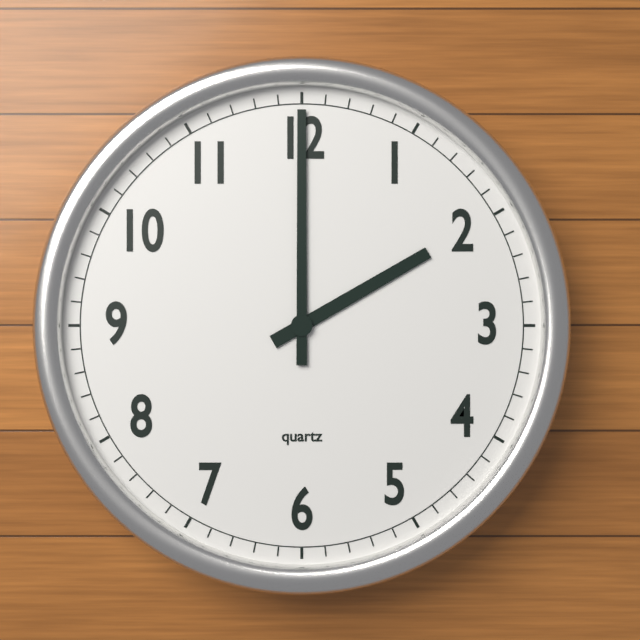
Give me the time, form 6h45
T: 2h00
